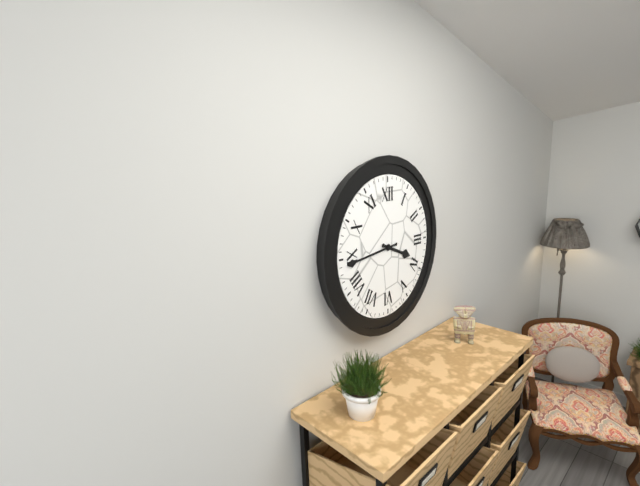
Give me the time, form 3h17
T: 3h44
